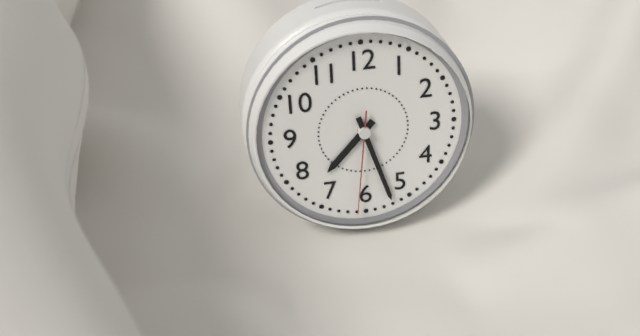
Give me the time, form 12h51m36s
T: 7h27m31s
